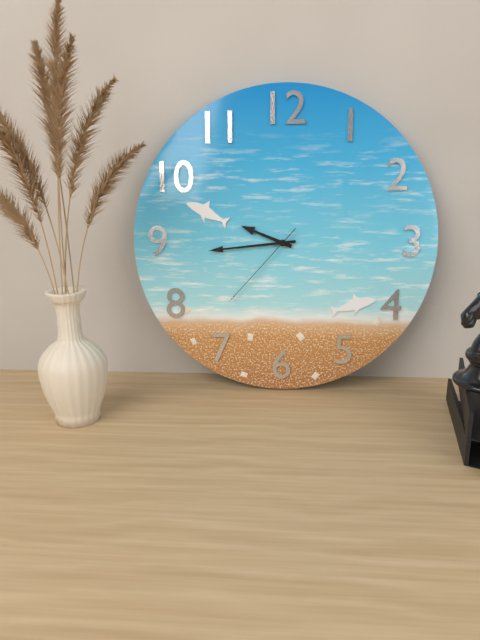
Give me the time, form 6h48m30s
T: 9h44m37s
